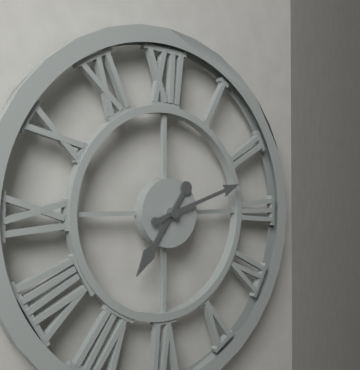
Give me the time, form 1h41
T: 7h12
